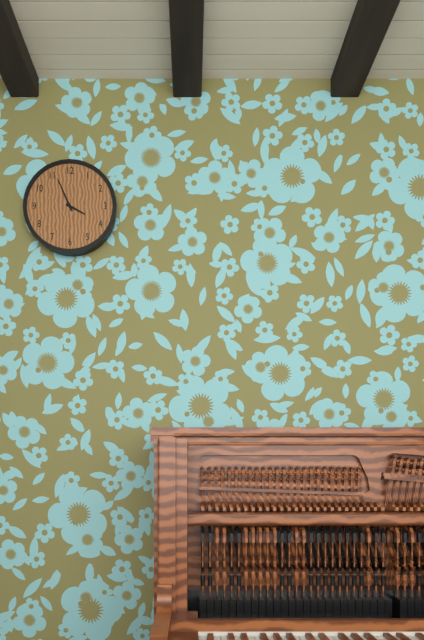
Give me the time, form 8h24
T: 3h56
